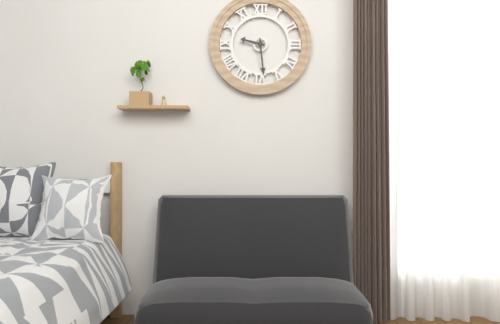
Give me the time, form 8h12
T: 9h29
